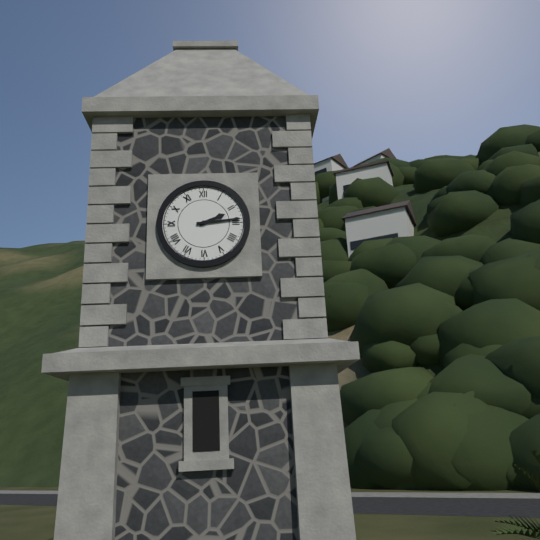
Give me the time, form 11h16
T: 2h14
